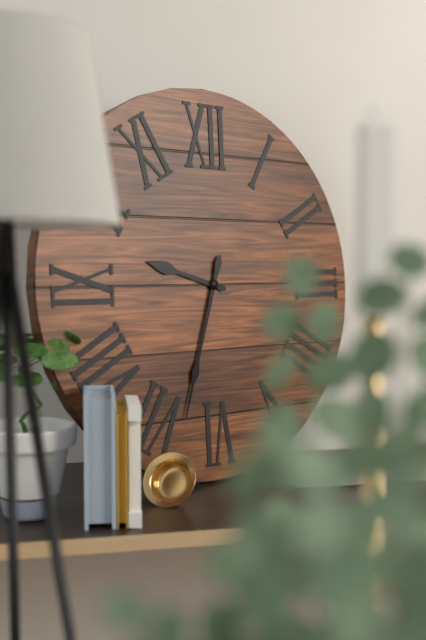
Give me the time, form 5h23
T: 9h33
